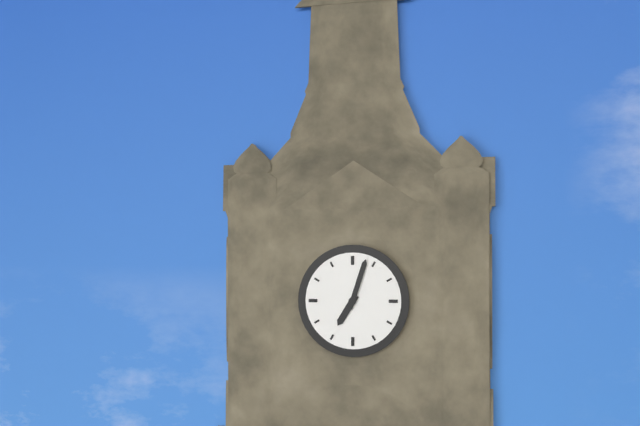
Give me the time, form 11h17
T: 7h03
